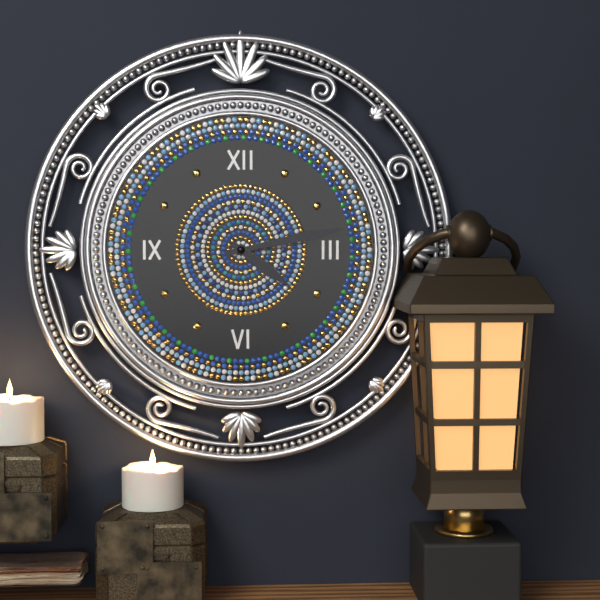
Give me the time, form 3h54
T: 4h13
